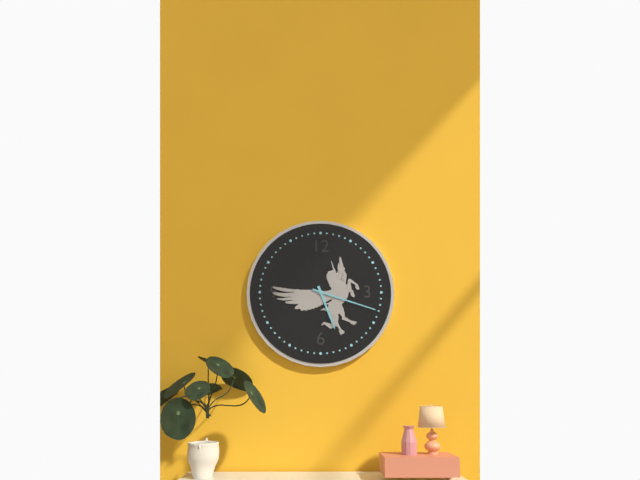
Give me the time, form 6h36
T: 5h18
